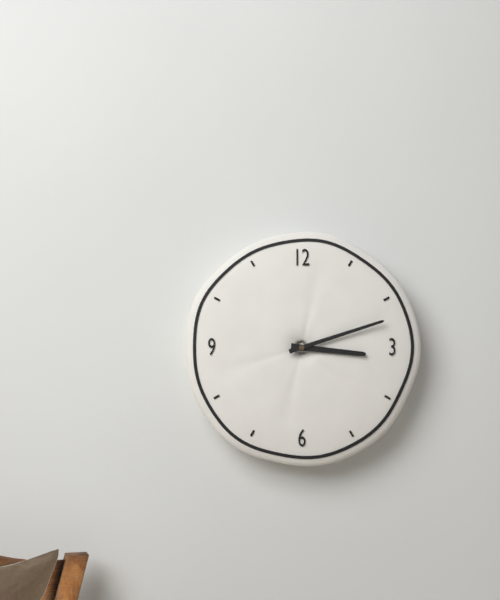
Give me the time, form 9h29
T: 3h12
